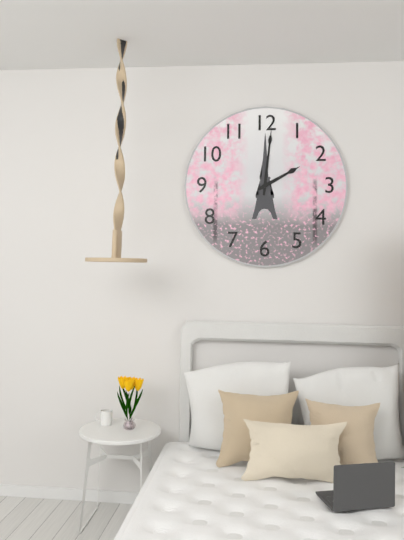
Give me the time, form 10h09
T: 2h01
